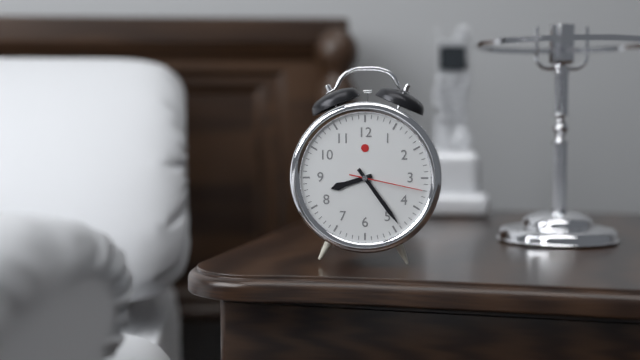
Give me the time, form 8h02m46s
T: 8h24m17s
